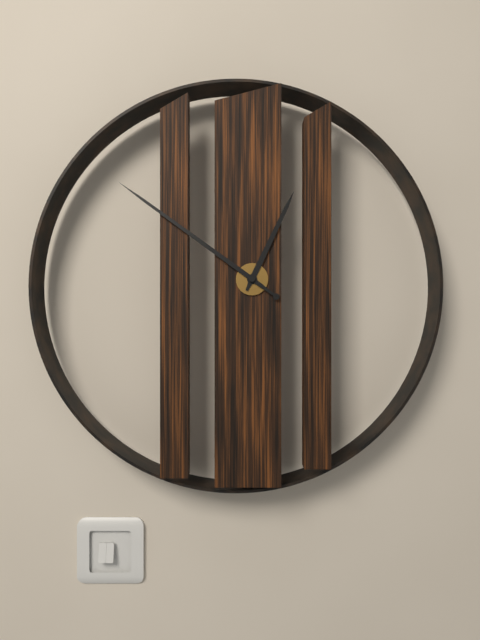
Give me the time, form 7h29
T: 12h51
